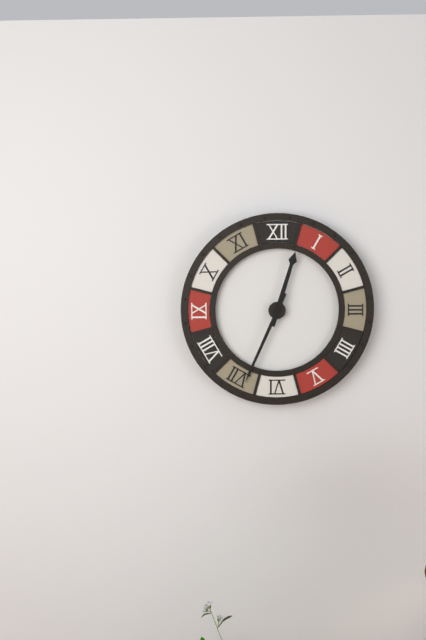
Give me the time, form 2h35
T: 12h34
